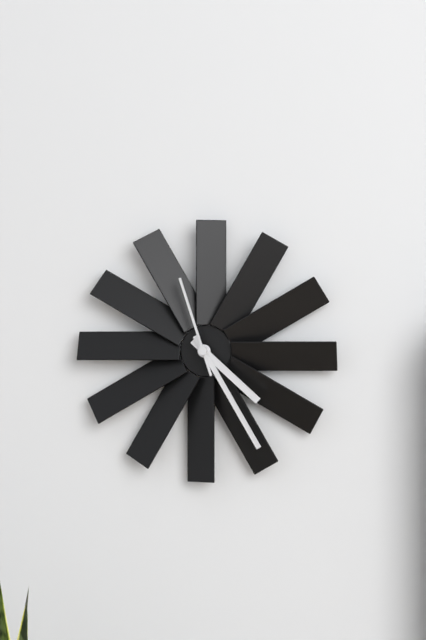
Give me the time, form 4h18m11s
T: 4h25m57s
